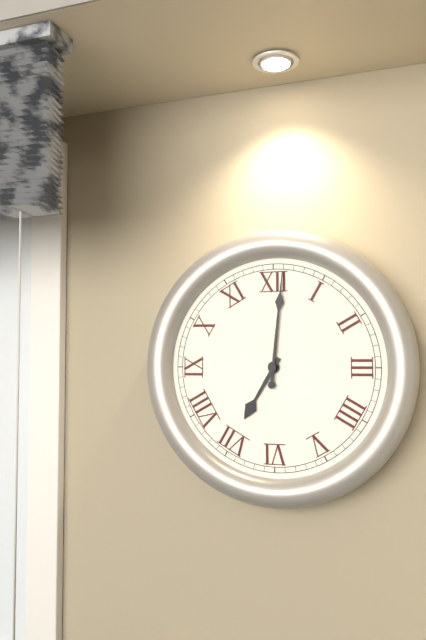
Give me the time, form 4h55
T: 7h01
